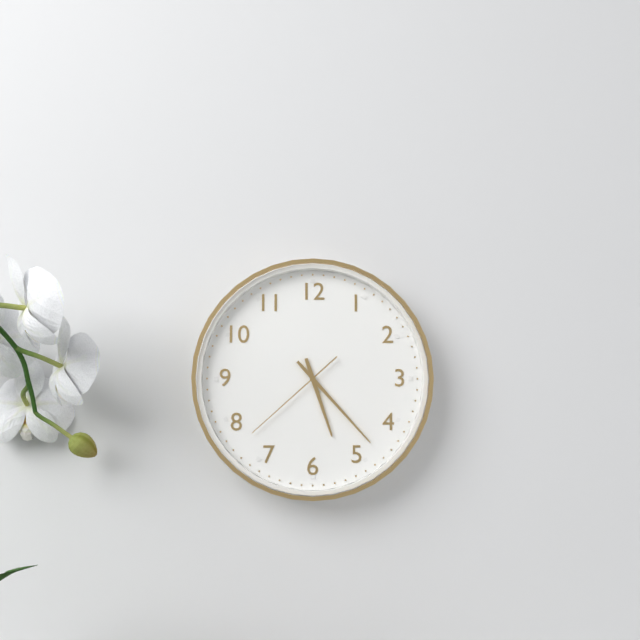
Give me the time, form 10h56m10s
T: 5h23m38s
